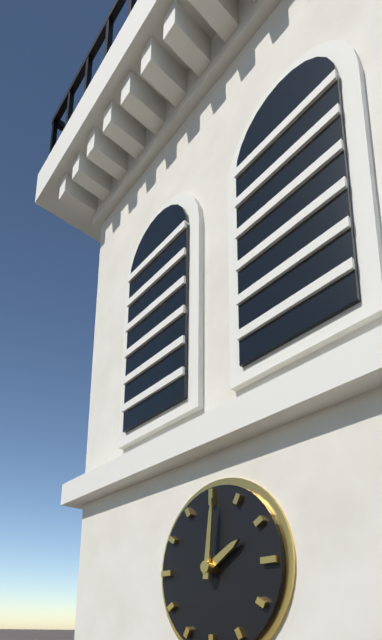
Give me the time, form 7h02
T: 2h01
